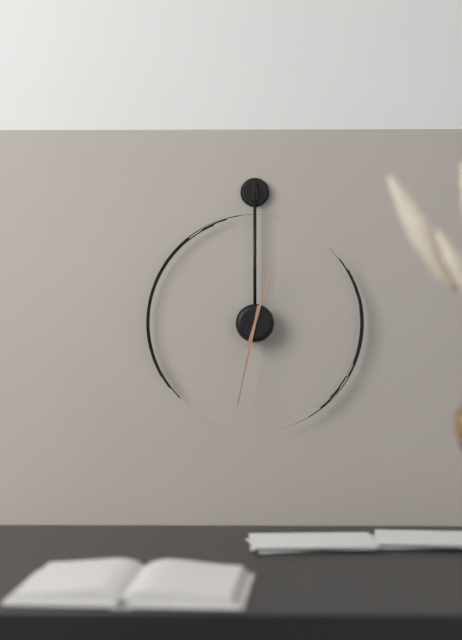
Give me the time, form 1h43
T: 12h32
